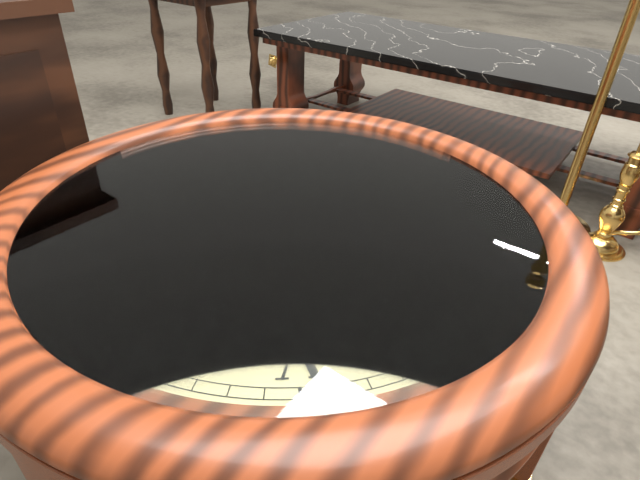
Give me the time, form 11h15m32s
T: 6h42m37s
